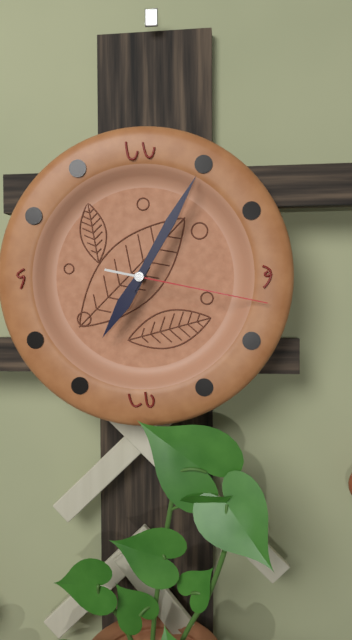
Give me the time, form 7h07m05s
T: 7h05m17s
